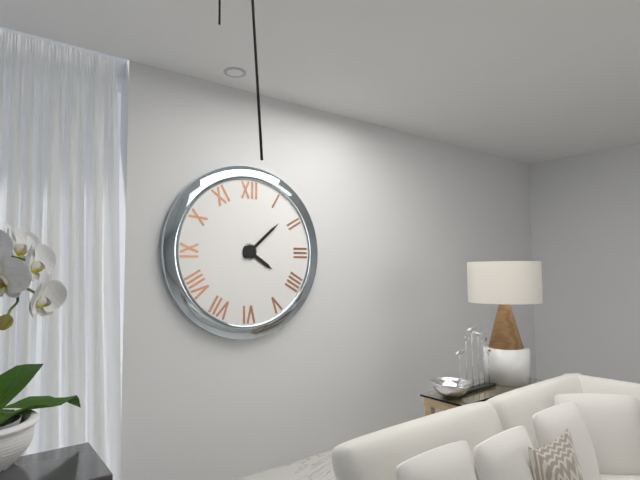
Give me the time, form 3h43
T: 4h08
